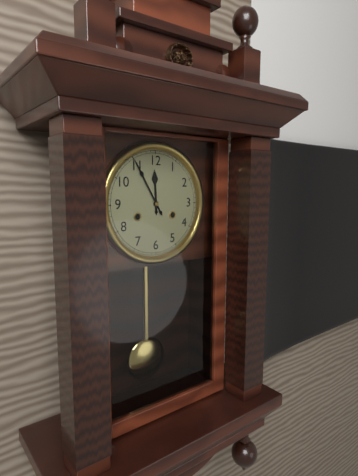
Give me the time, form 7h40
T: 11h55
